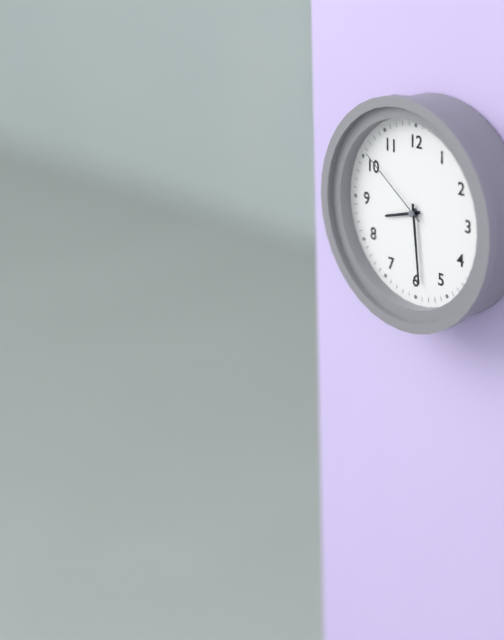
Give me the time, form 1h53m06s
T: 8h29m51s
